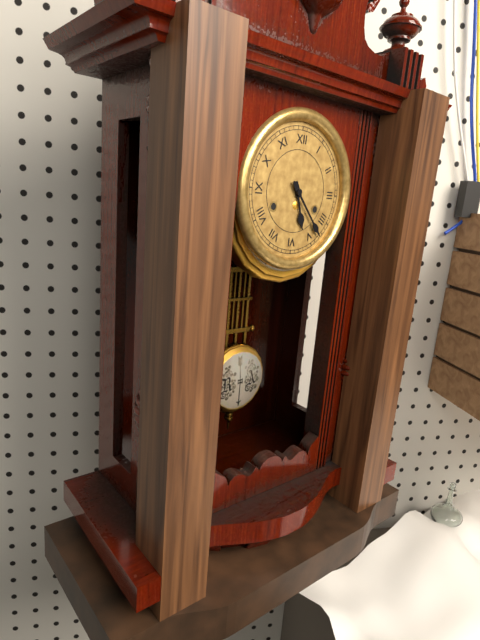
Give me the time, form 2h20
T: 5h23
